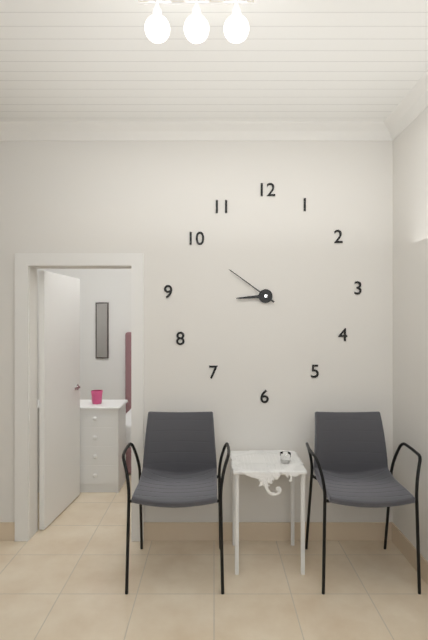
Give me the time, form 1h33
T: 8h51
